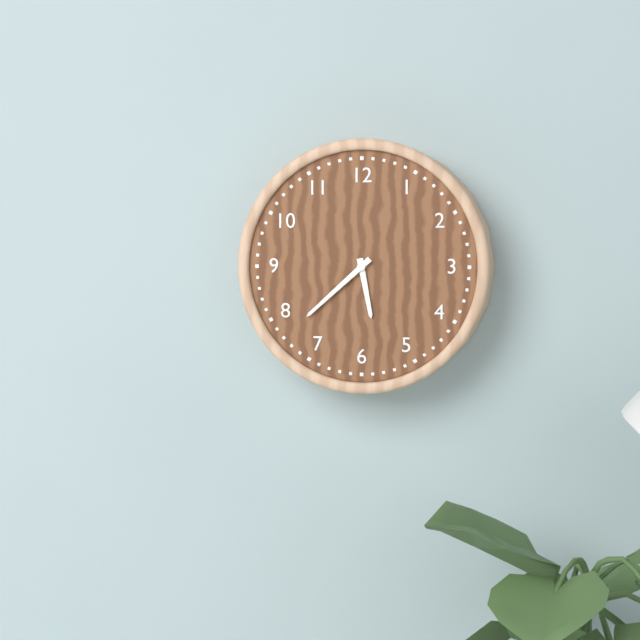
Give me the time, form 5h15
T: 5h38
